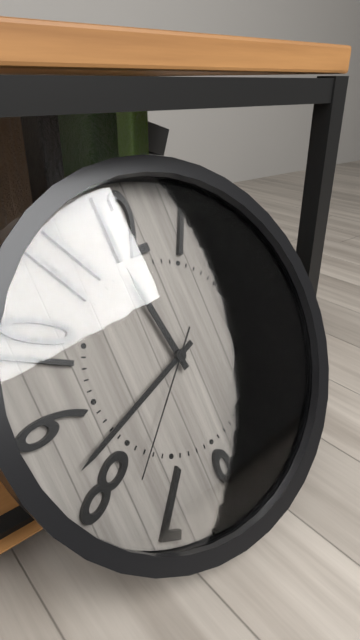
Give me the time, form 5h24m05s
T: 11h42m38s
